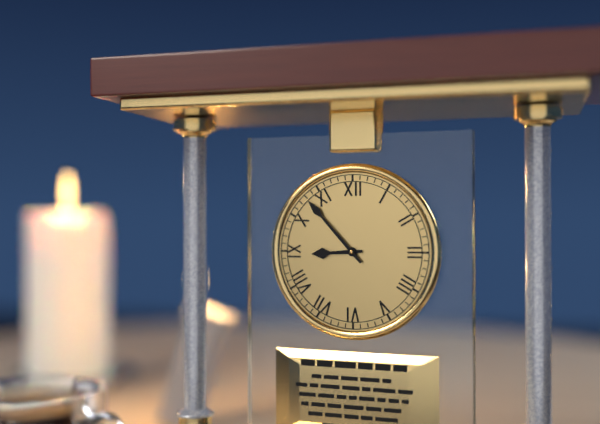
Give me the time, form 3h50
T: 8h53
